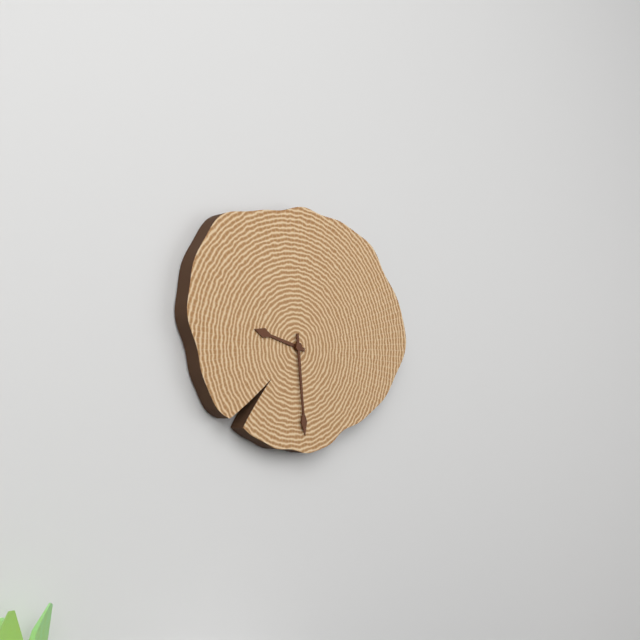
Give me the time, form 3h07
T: 9h29
